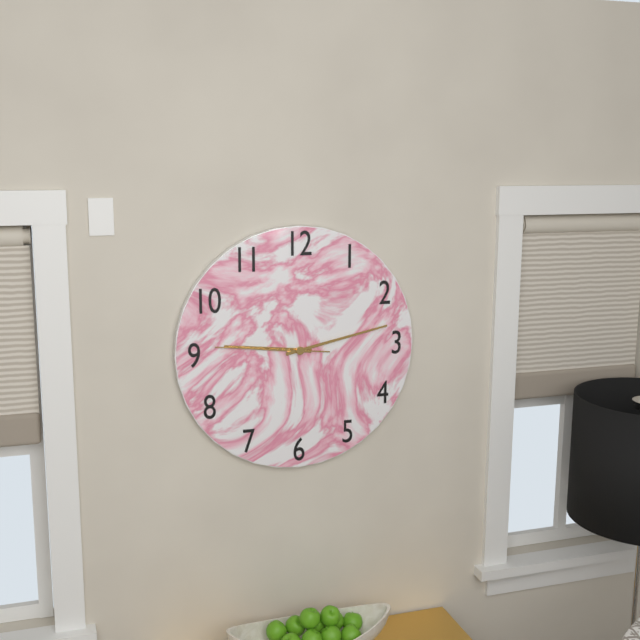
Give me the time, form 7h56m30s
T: 9h13m46s
